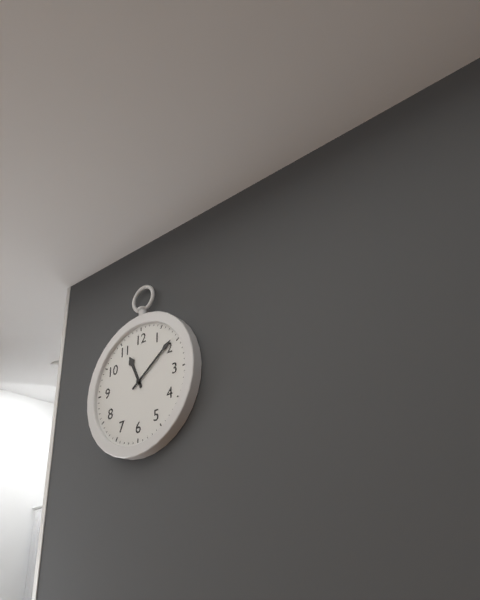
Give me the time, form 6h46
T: 11h09
